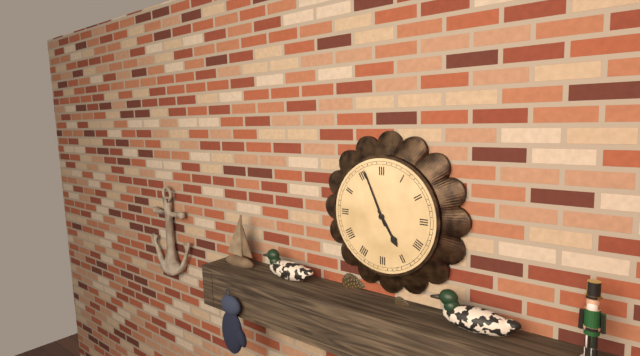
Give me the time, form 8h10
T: 4h56
